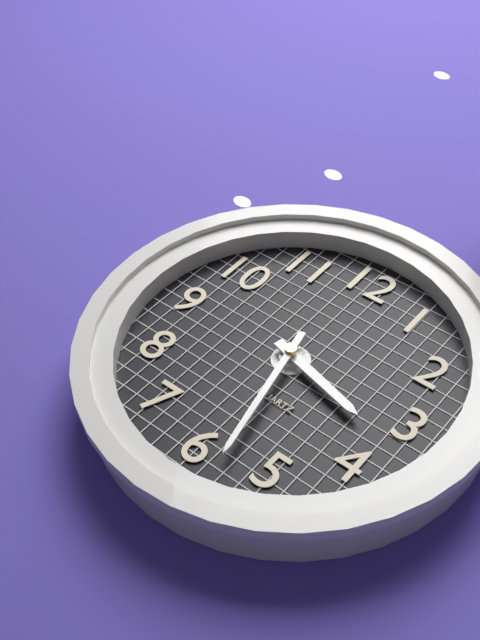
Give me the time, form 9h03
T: 3h28
